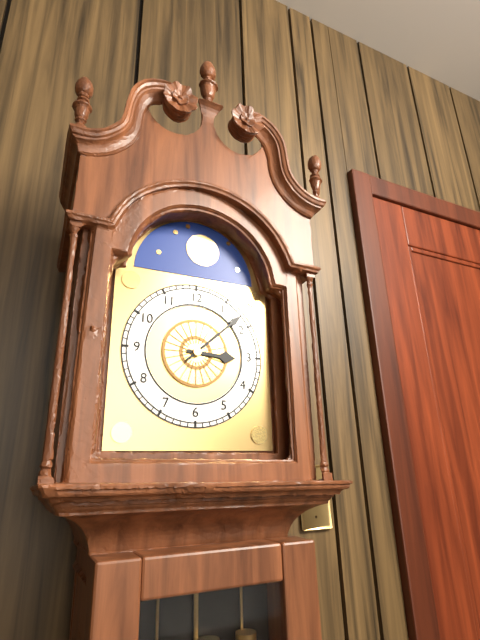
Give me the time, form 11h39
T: 3h08
